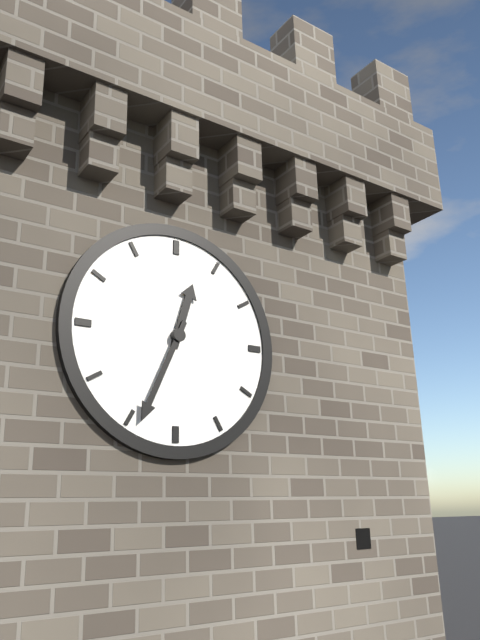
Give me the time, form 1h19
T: 12h34
